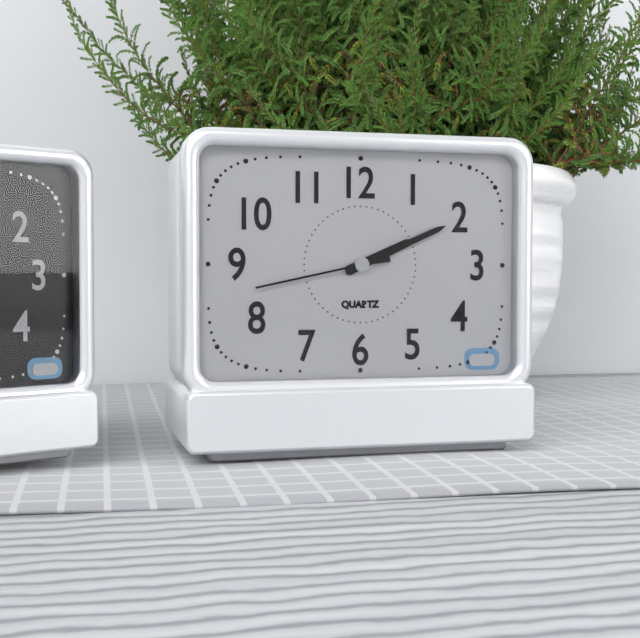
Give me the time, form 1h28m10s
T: 2h11m43s
